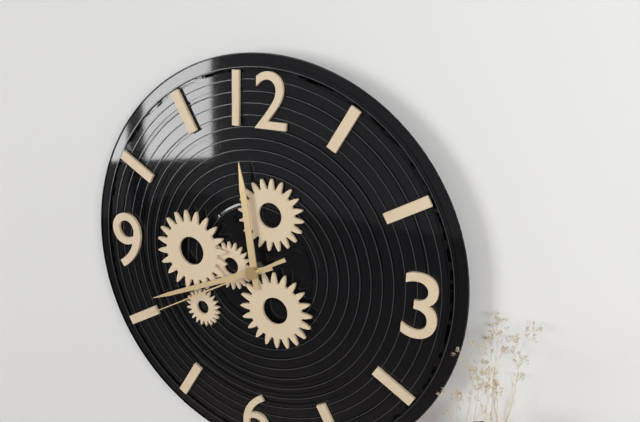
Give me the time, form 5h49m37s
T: 11h41m40s
